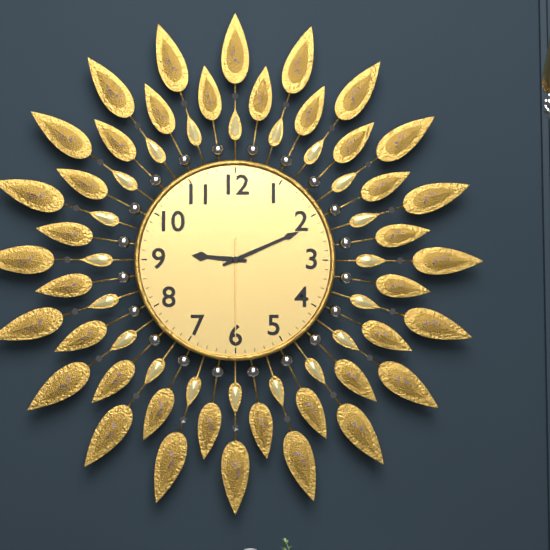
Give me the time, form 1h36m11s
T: 9h11m30s
